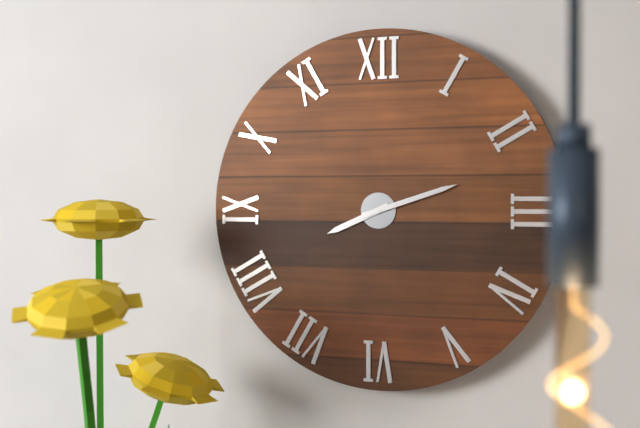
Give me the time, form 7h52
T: 8h12
